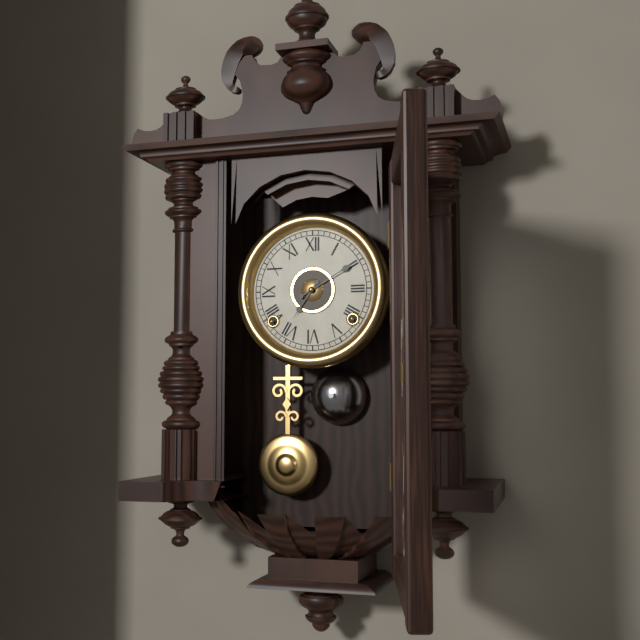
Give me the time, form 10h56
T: 7h10
